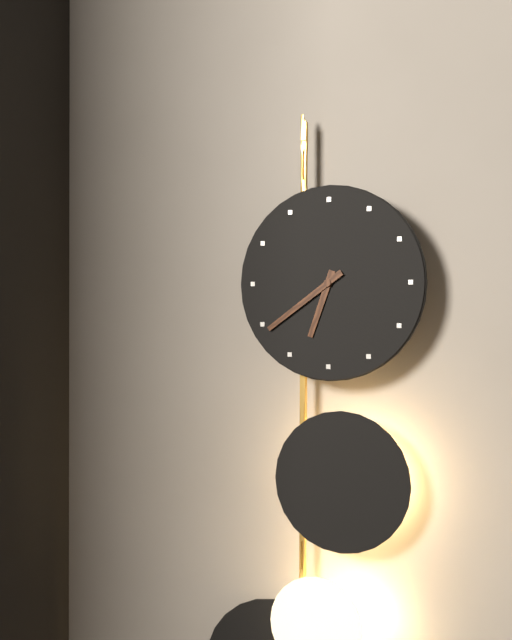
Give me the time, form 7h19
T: 6h39
